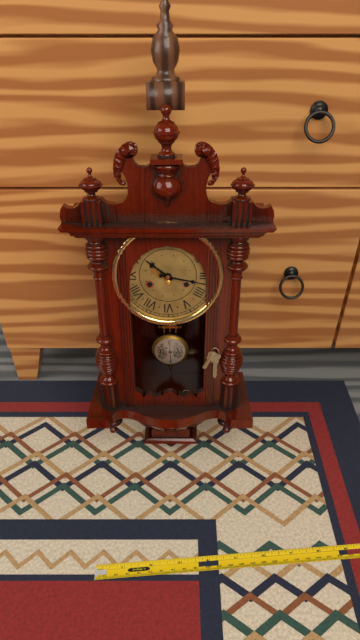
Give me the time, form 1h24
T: 10h17
